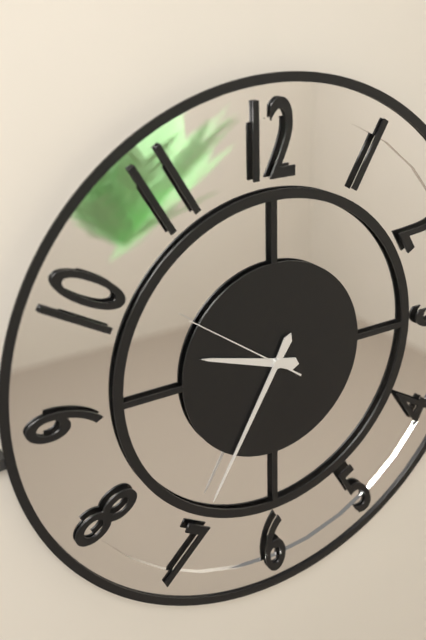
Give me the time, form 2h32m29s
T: 9h35m51s
